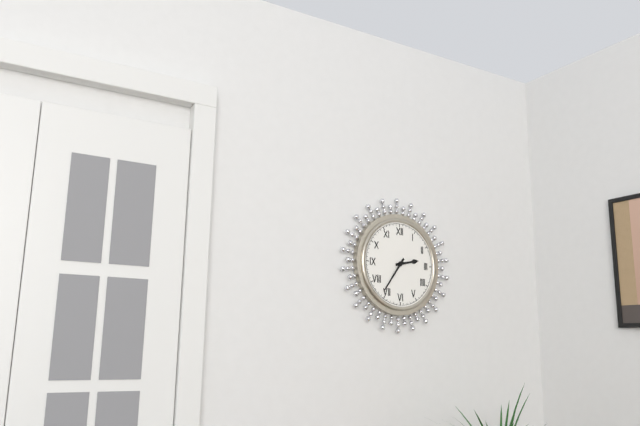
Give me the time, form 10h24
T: 2h36
